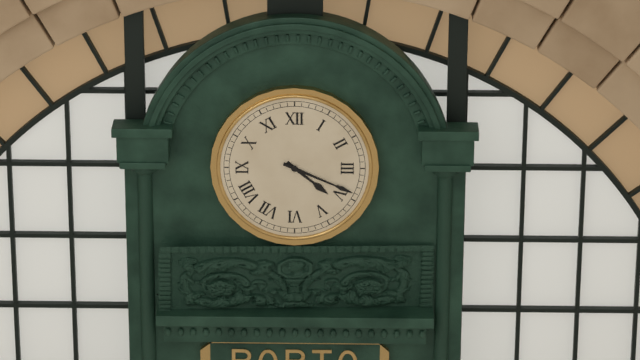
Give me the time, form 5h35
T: 4h19
